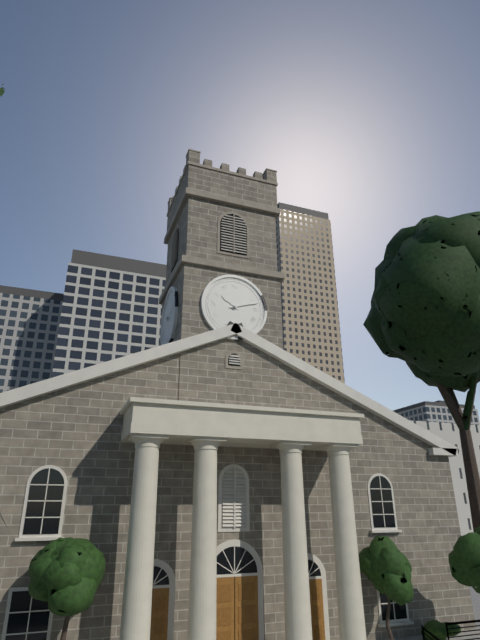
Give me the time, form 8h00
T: 10h12
